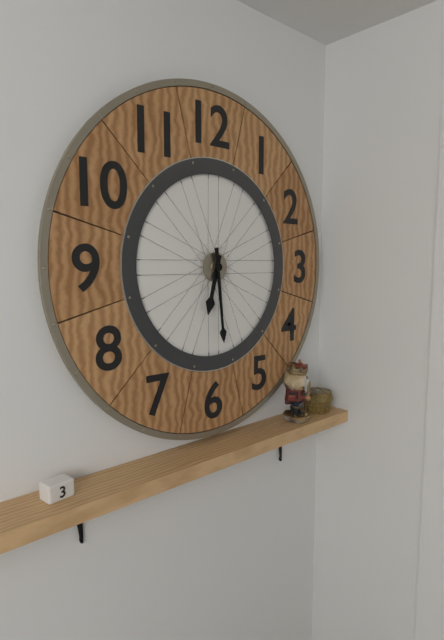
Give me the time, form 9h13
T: 6h29
